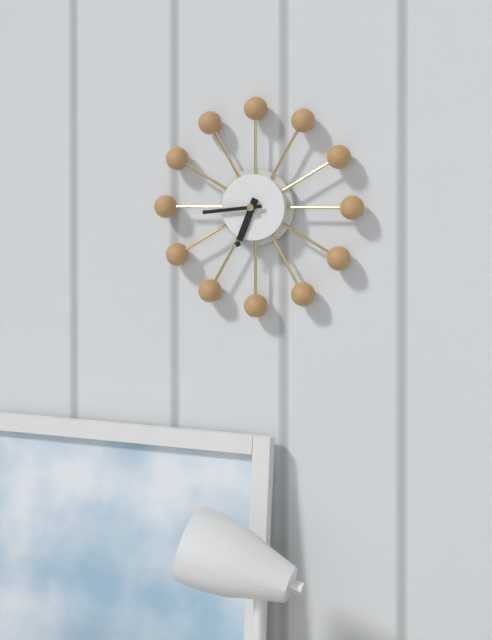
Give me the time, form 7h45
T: 6h44
